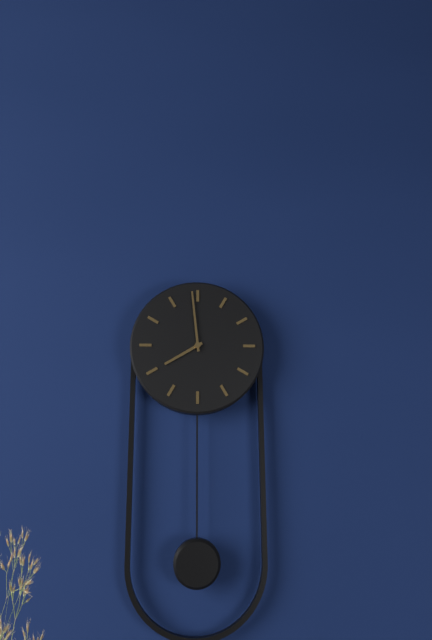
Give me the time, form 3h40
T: 7h59
